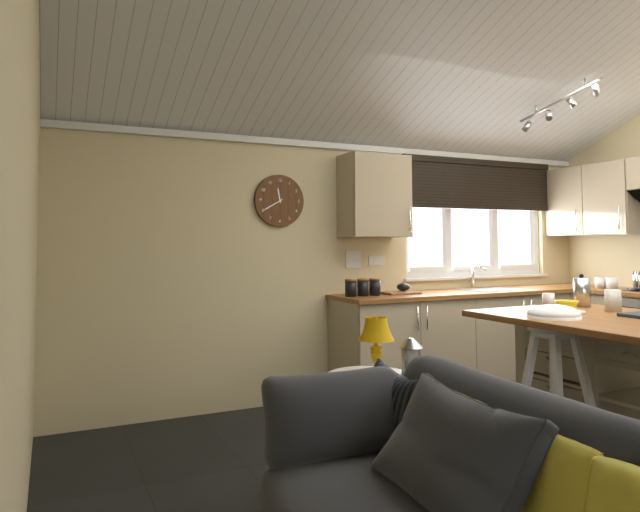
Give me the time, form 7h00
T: 11h40
